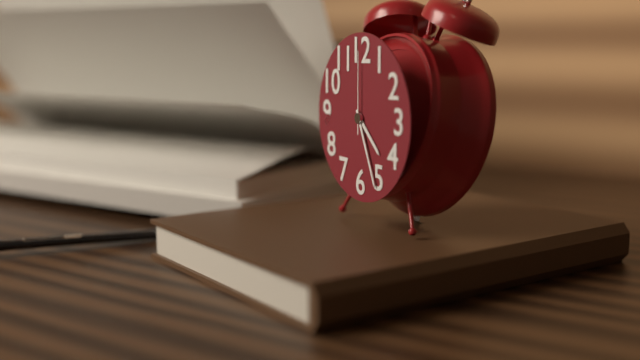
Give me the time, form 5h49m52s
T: 4h26m00s
